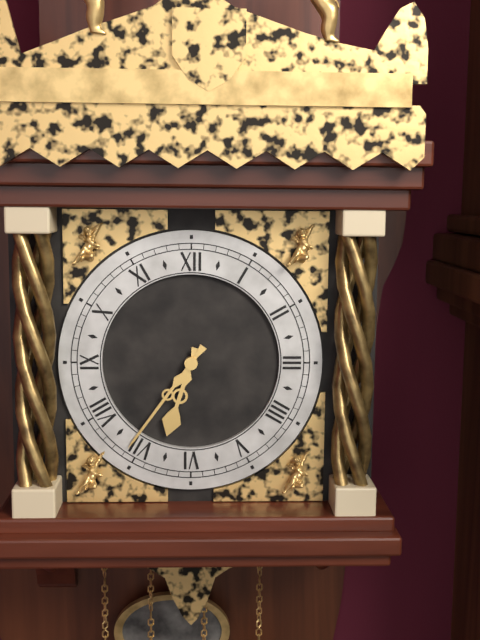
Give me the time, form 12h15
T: 6h36
